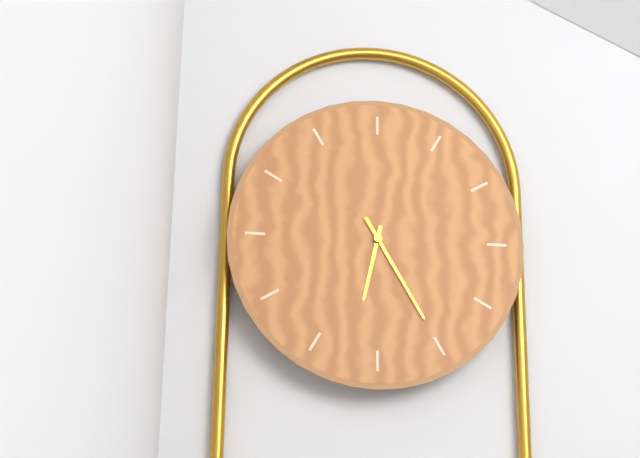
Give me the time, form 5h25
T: 6h25
